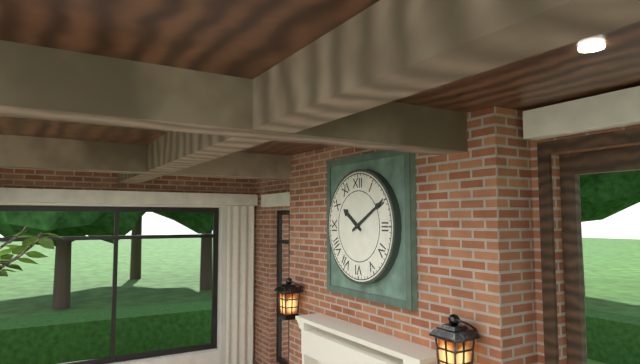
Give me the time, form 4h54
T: 10h10
